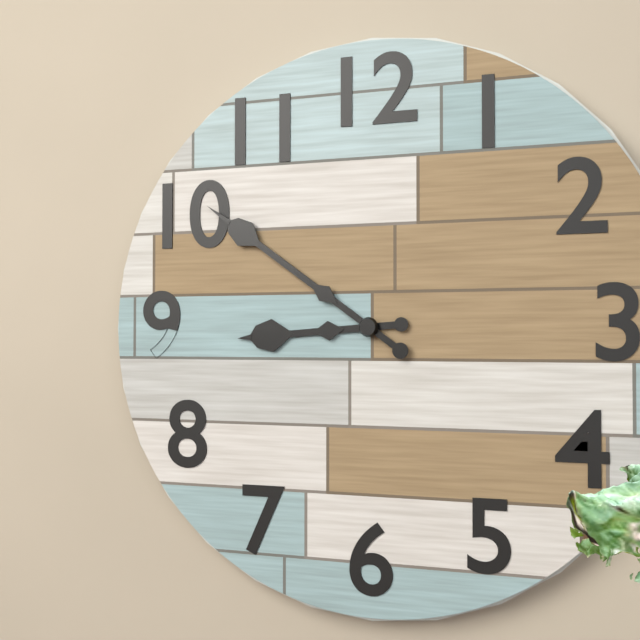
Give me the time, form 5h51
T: 8h51
